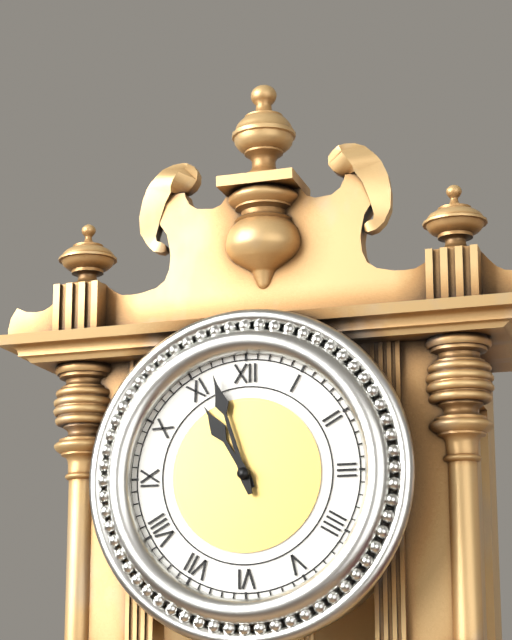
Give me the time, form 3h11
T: 10h57
